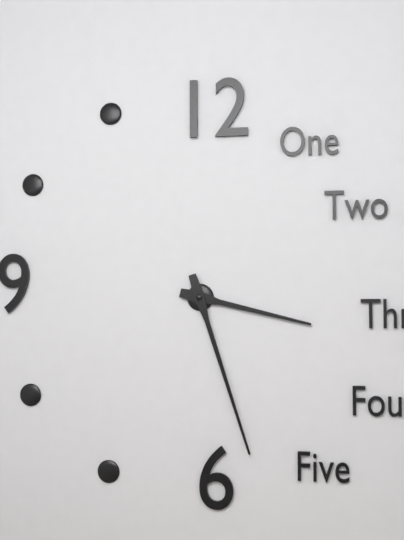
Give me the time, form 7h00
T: 3h27
